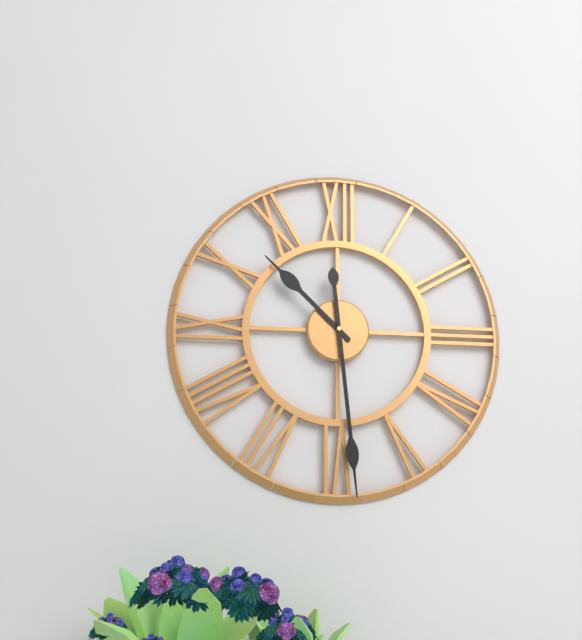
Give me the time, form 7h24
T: 10h29
